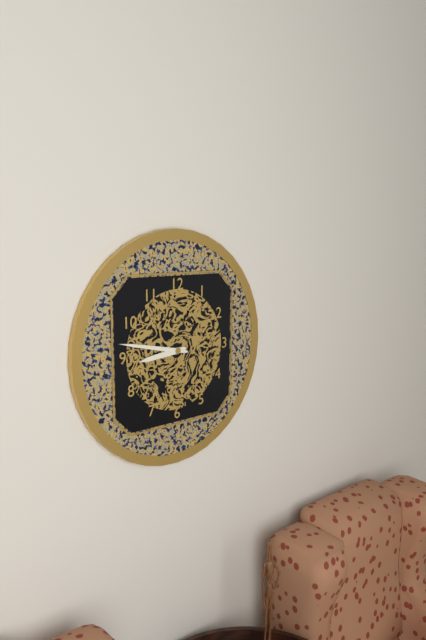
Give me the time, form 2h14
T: 8h47
